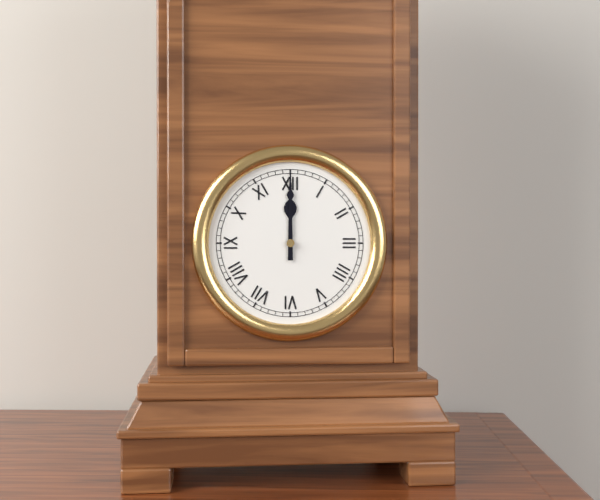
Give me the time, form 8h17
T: 12h00
